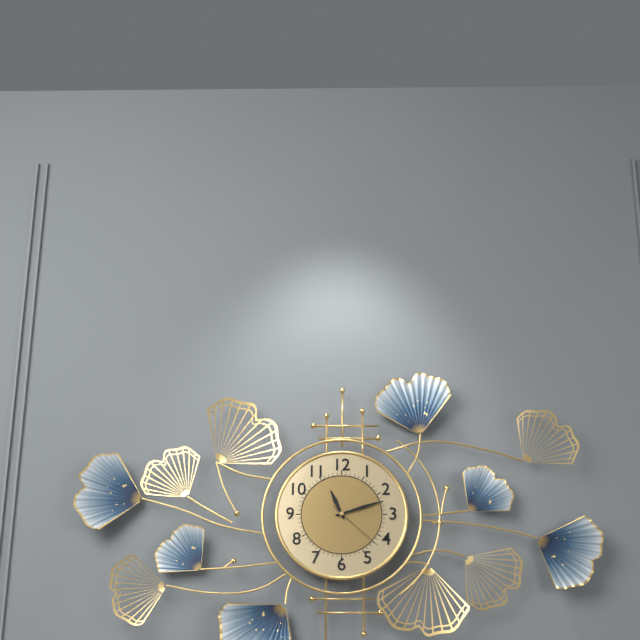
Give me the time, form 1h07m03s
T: 11h12m22s
